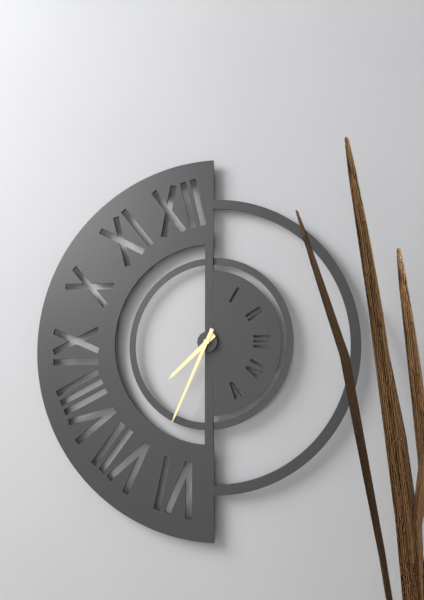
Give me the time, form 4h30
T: 7h34
